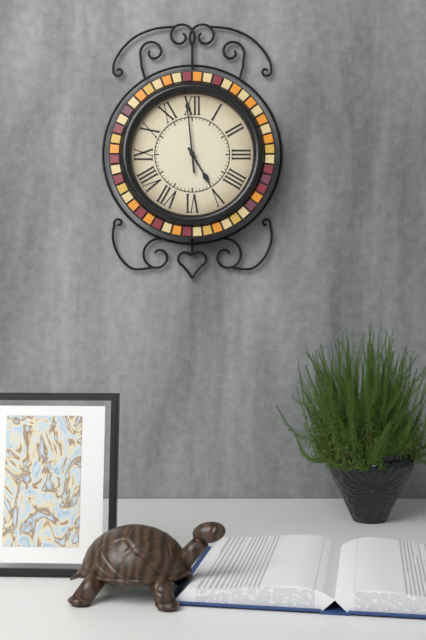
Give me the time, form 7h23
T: 4h59
